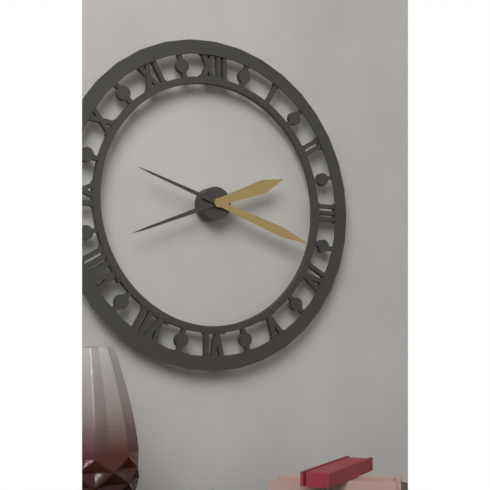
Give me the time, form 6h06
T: 2h18
